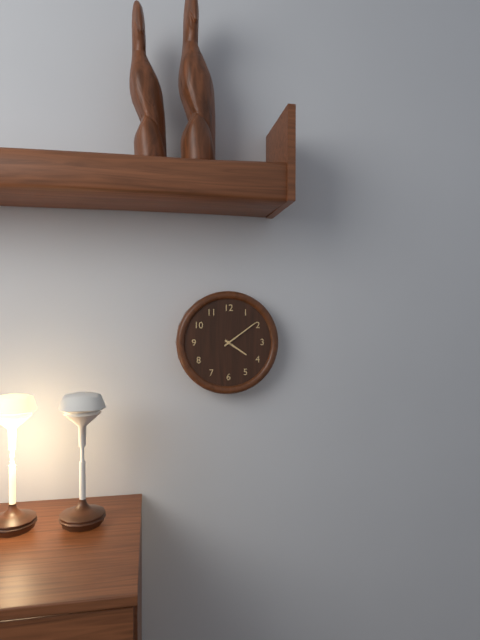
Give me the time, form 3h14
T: 4h09
